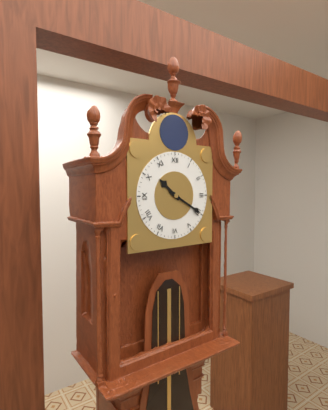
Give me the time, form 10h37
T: 10h20
